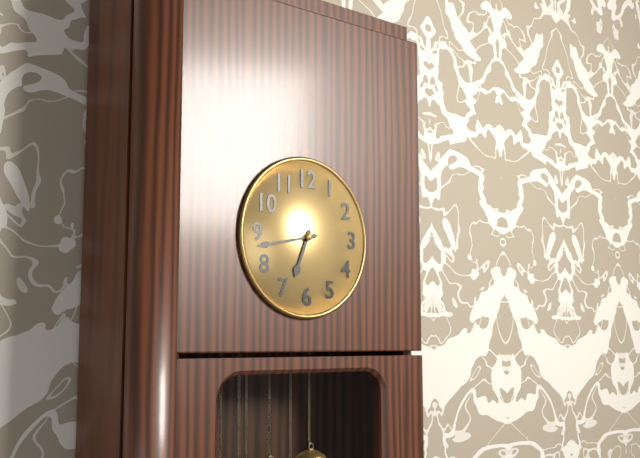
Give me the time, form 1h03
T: 6h43
